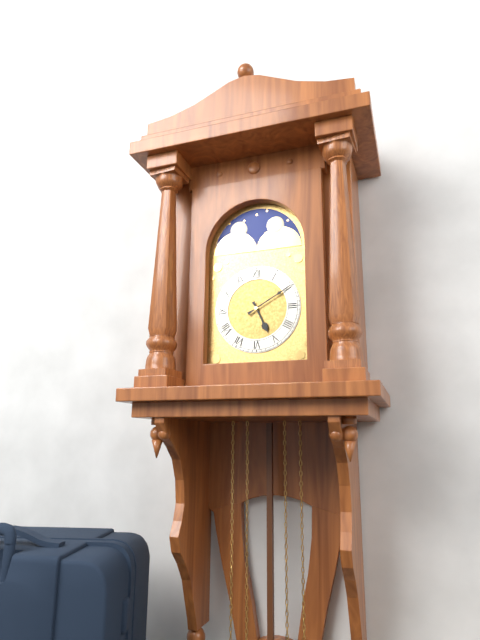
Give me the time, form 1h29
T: 5h10
